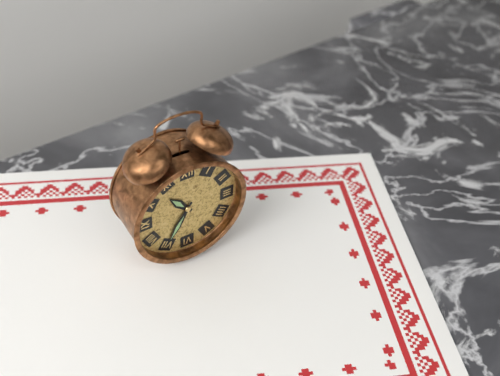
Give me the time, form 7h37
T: 10h35
